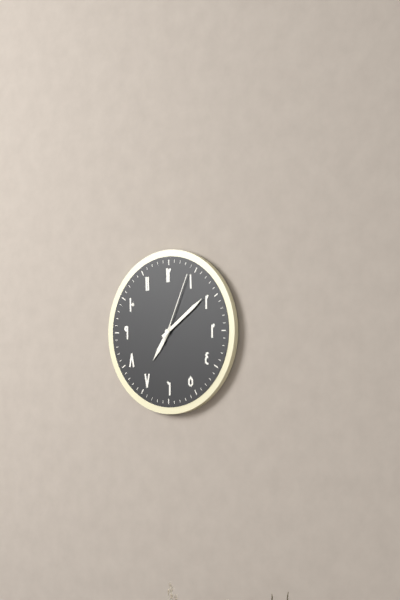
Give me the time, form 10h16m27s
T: 7h09m04s
